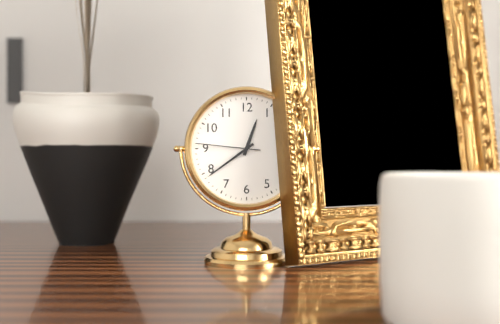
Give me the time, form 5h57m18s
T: 12h39m46s
